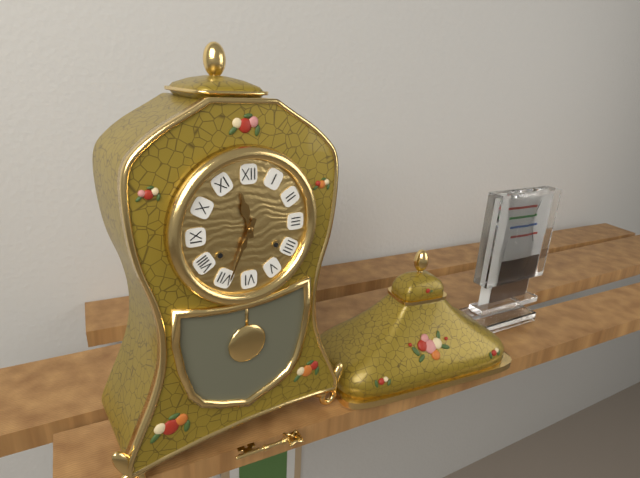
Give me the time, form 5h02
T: 11h34
